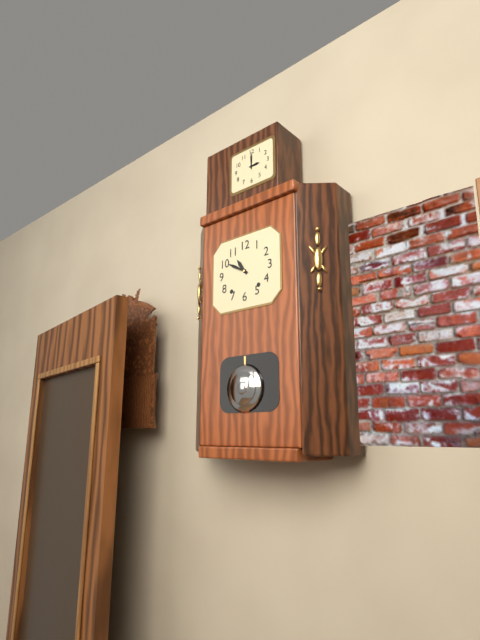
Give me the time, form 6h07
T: 10h50
